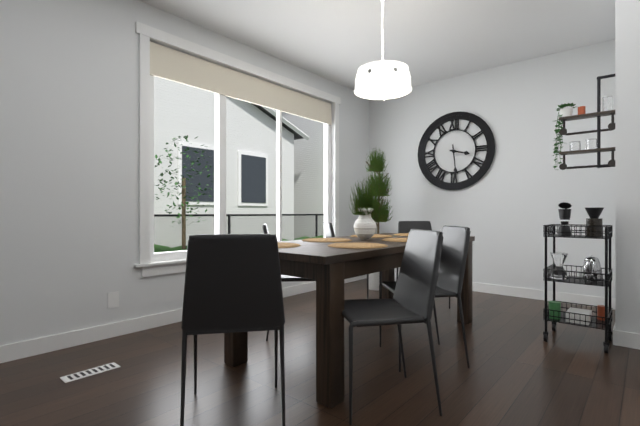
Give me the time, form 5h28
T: 3h29
